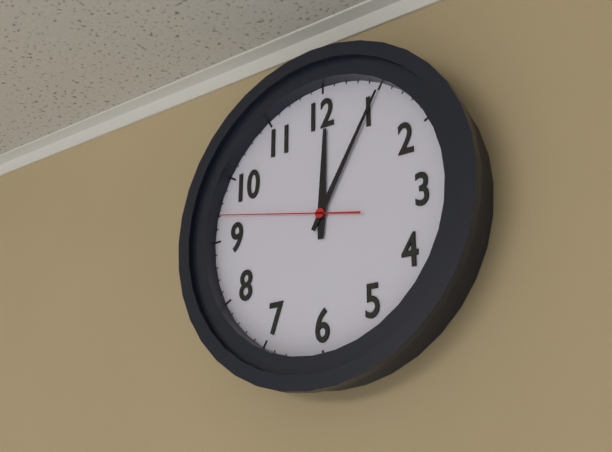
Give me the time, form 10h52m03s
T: 12h05m47s
